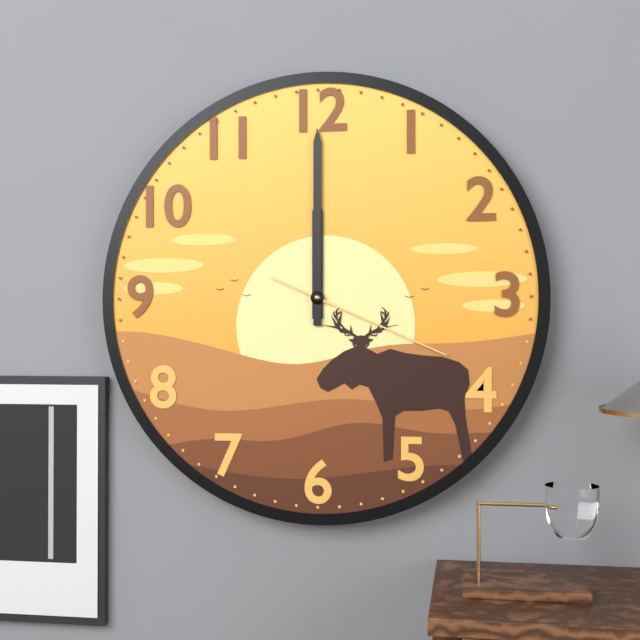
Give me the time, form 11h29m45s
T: 12h00m19s
